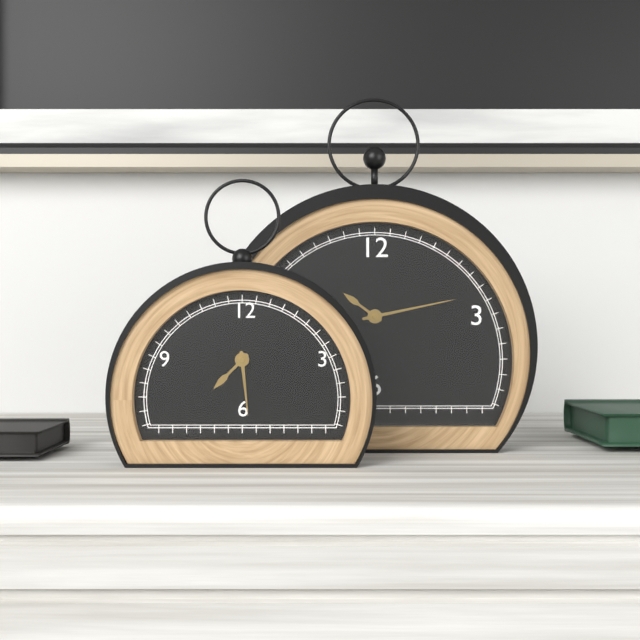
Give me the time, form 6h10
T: 7h29
